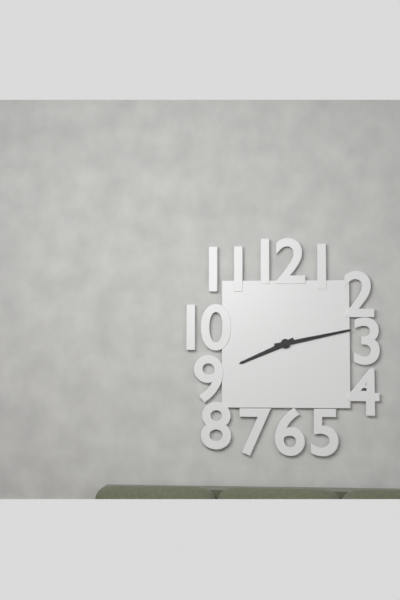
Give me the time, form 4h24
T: 8h13
